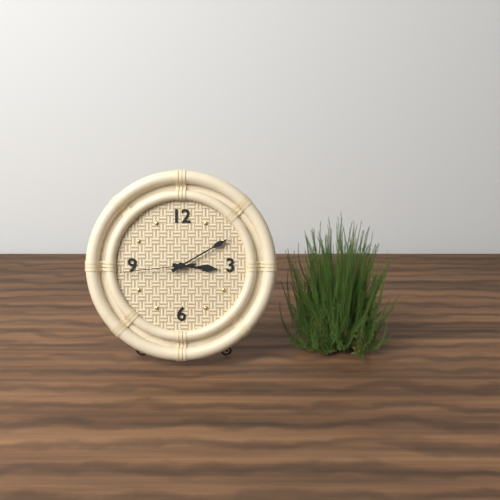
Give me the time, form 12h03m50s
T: 3h10m44s
